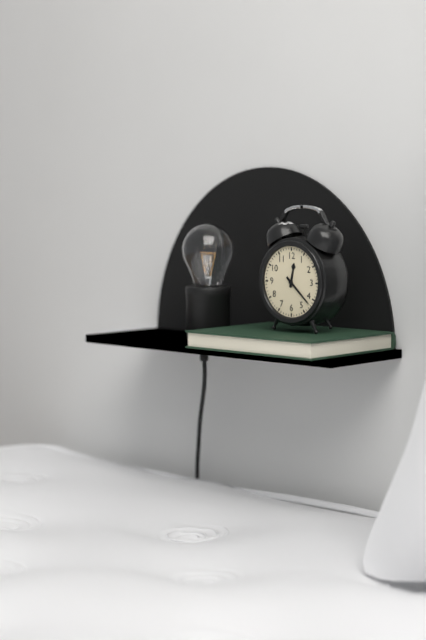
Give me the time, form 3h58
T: 12h22
